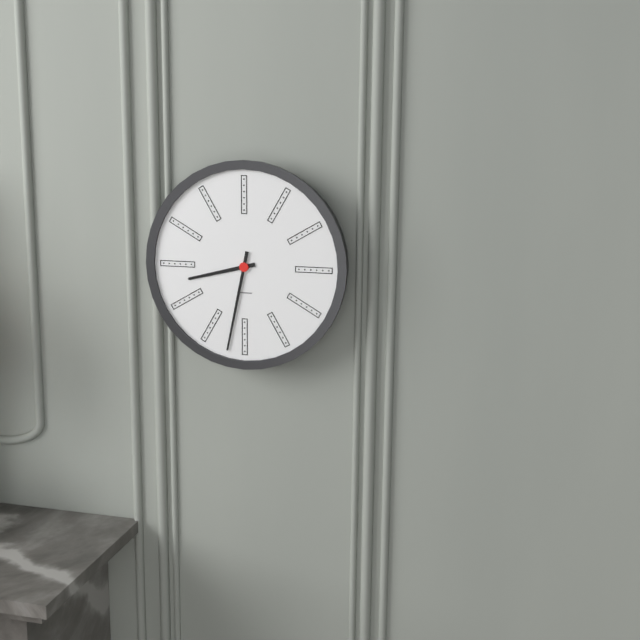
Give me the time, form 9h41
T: 8h32
